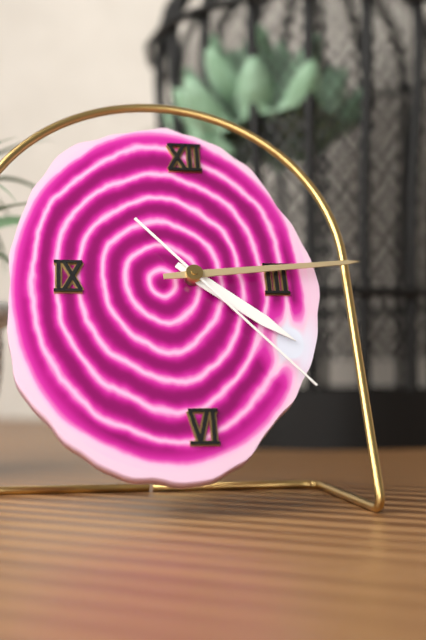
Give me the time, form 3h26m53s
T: 4h14m23s
